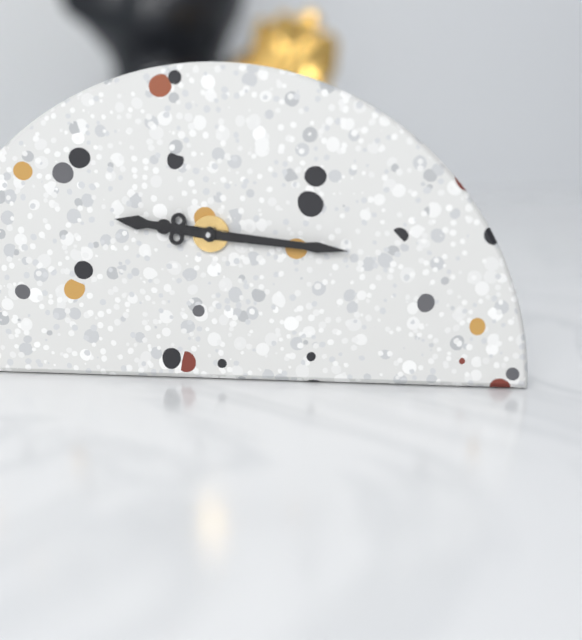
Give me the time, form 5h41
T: 9h16
